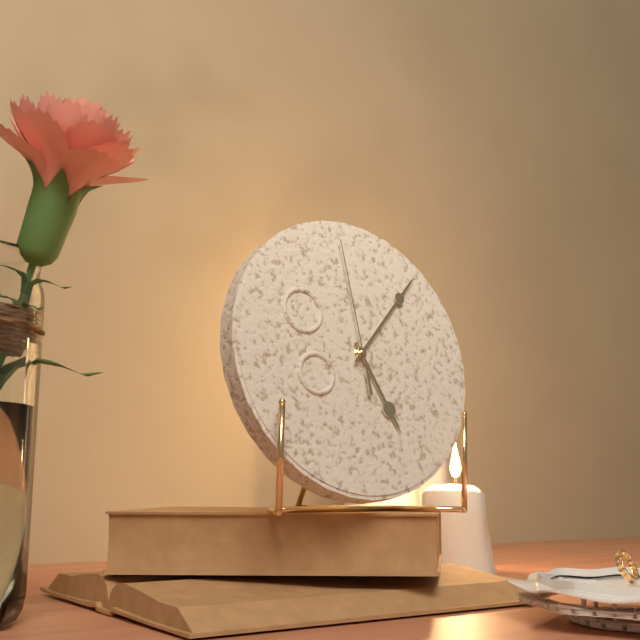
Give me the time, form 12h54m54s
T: 5h07m59s
